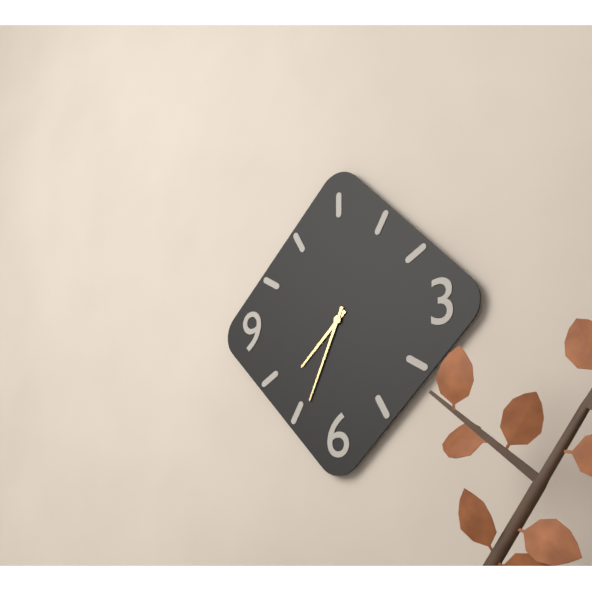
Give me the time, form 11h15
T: 7h34
